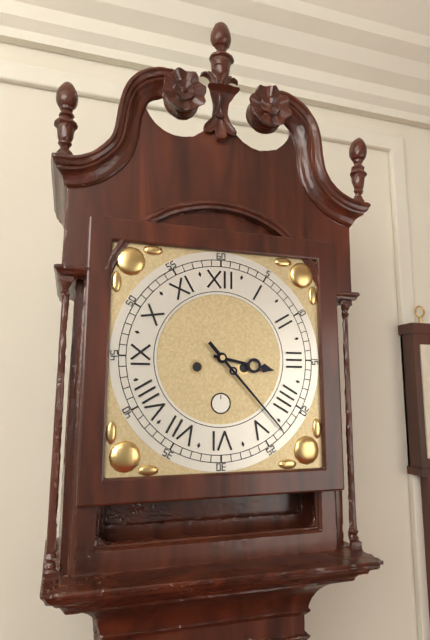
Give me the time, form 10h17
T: 3h23
